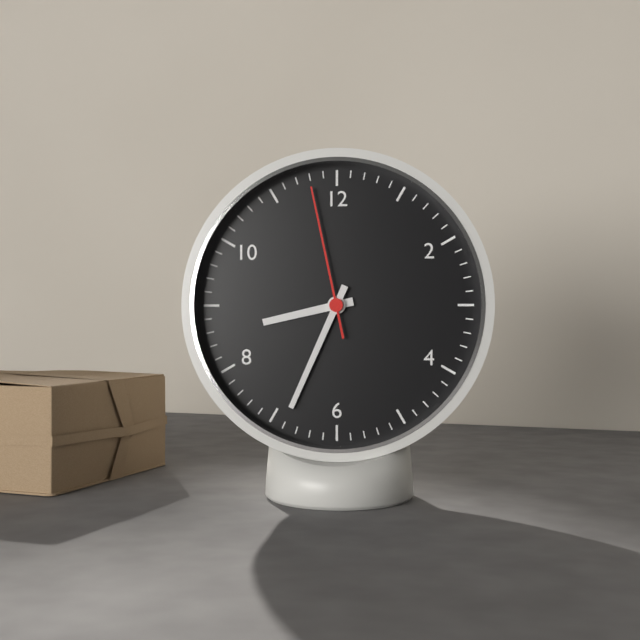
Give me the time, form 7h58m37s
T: 8h34m58s
